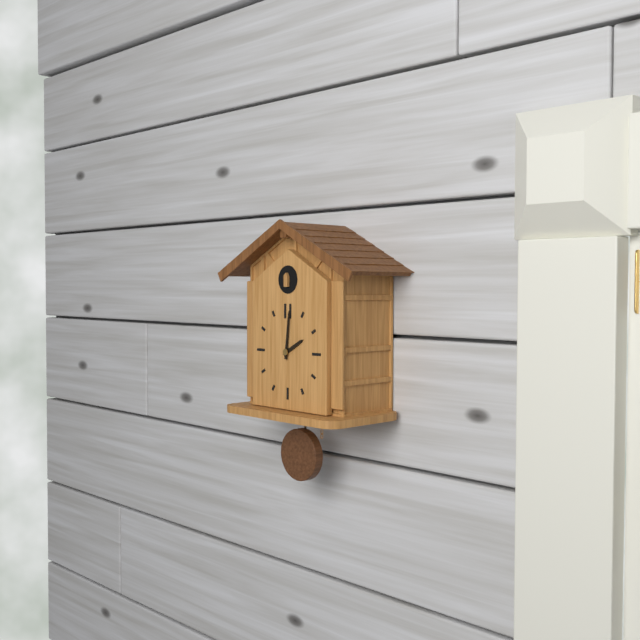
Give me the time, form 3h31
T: 2h01
